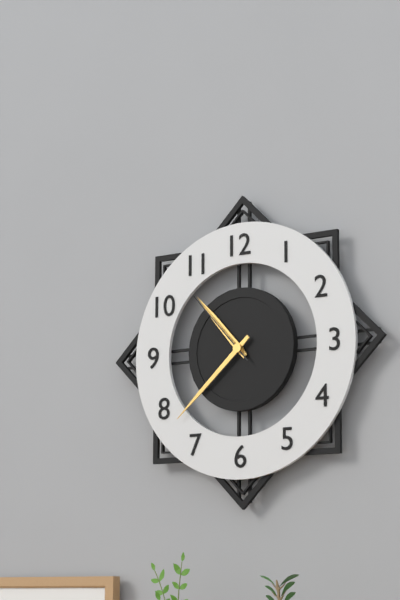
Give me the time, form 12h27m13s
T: 10h38m53s
